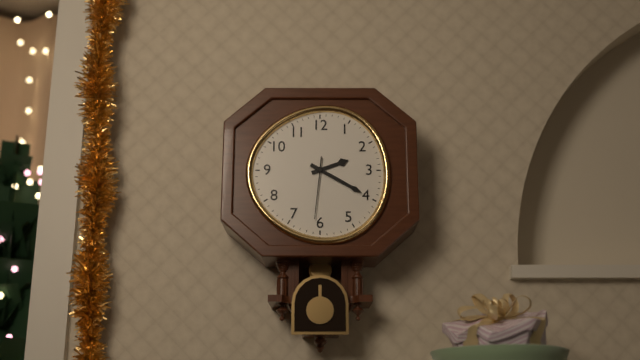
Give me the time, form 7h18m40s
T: 2h20m31s
